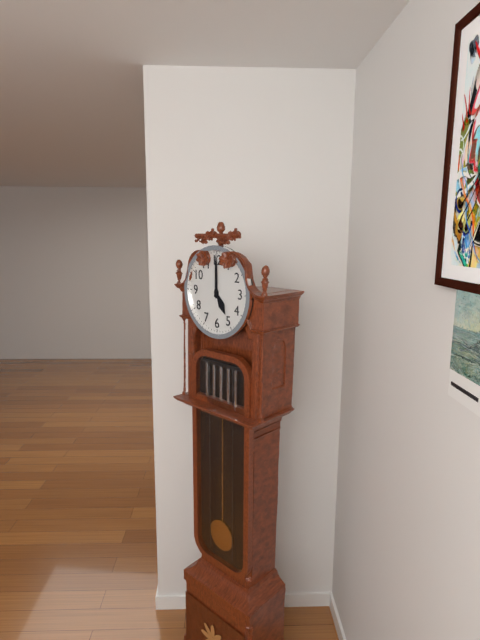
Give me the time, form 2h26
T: 5h00
